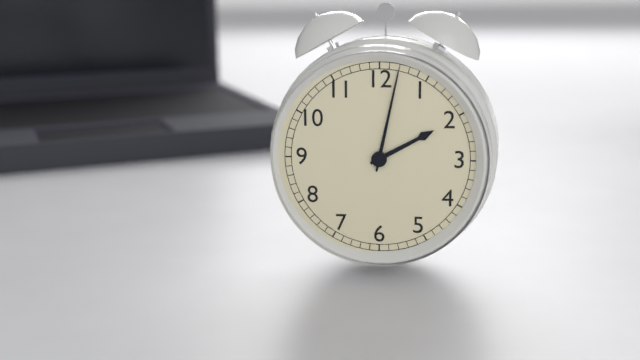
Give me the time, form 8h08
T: 2h02
